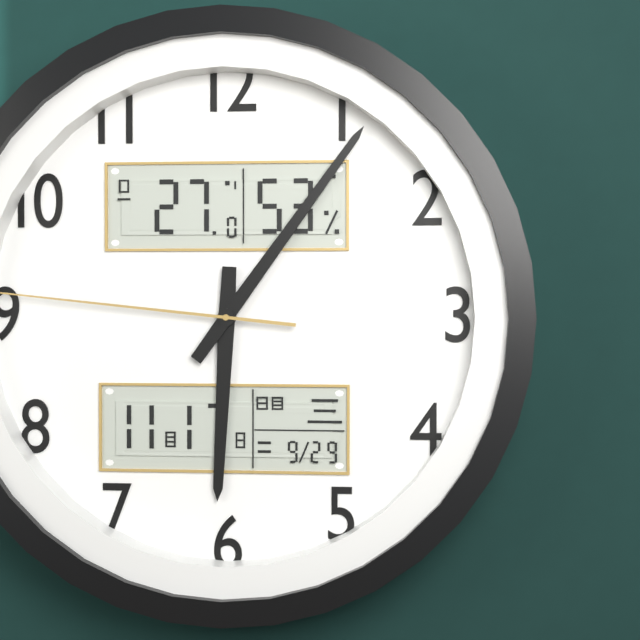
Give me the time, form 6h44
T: 6h06
